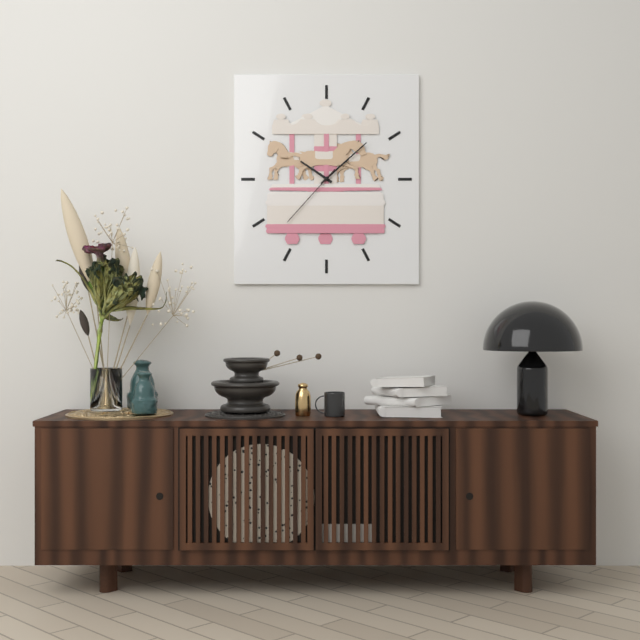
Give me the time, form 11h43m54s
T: 10h08m37s
